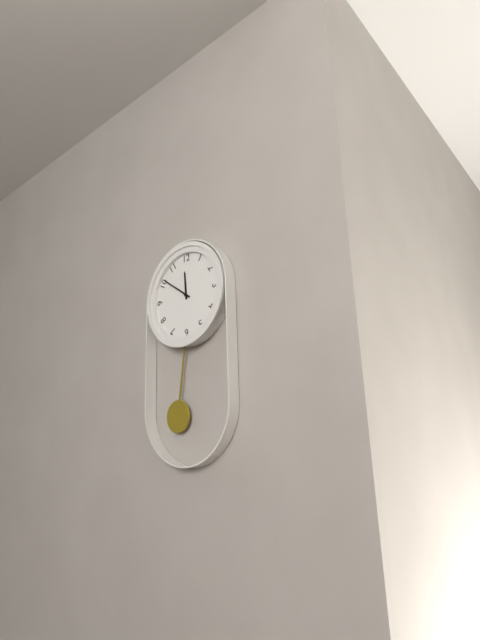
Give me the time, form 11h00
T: 11h51
